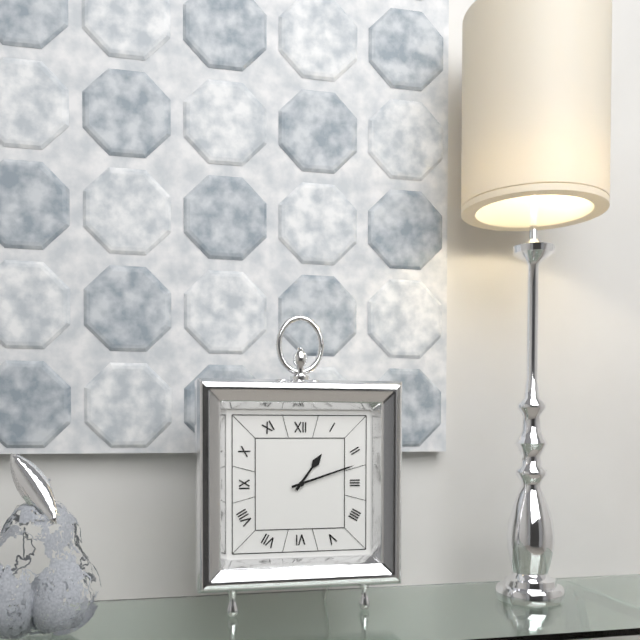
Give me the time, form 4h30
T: 1h12
